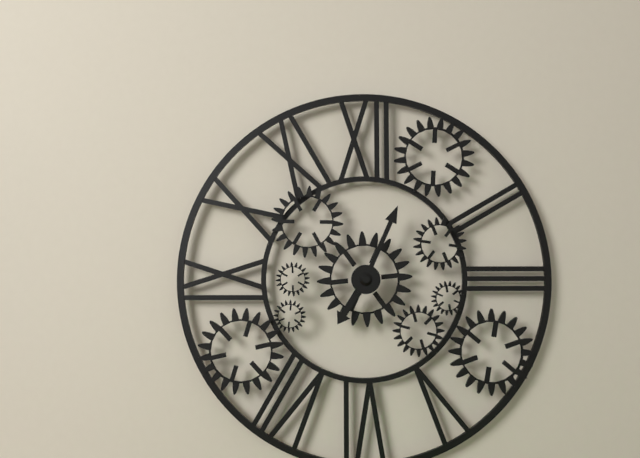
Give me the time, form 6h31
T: 7h04
